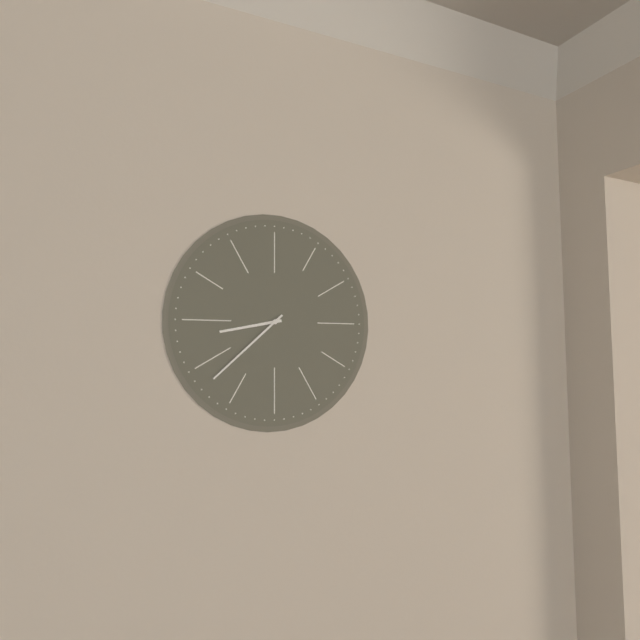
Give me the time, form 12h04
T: 8h38
